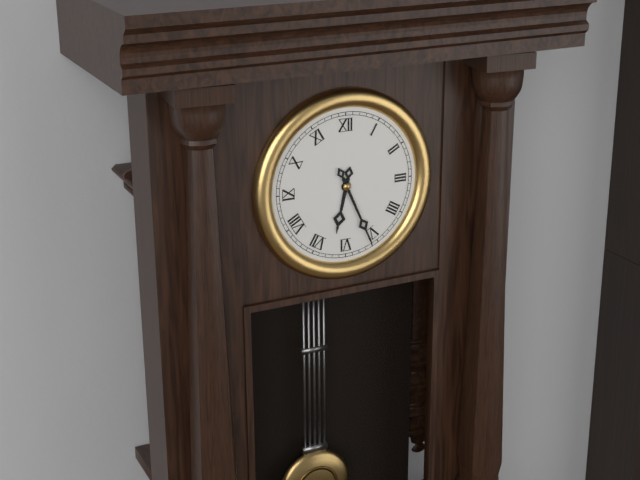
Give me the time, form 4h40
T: 6h26
